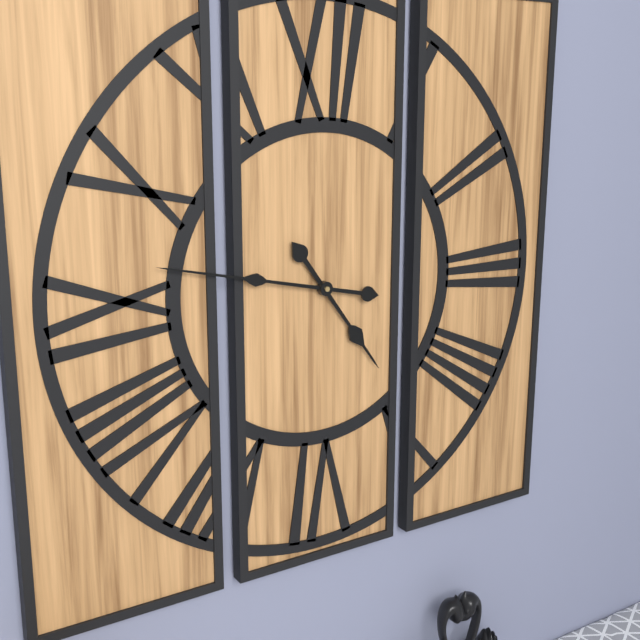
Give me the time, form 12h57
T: 4h47
